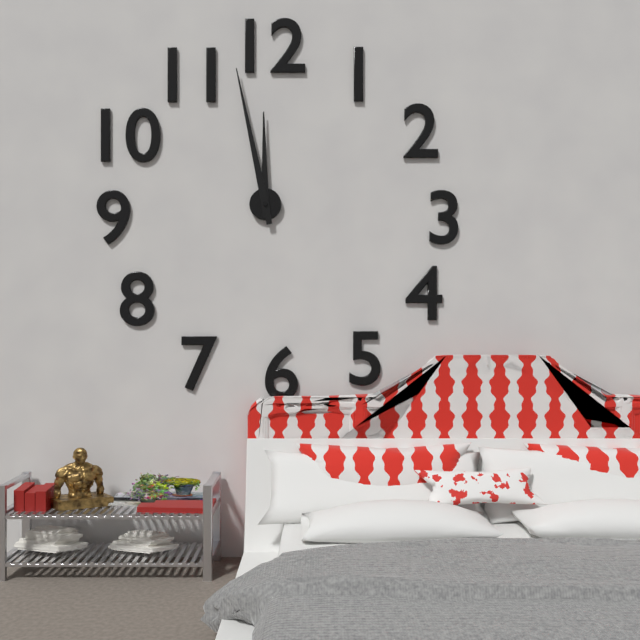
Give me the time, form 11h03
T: 11h58
